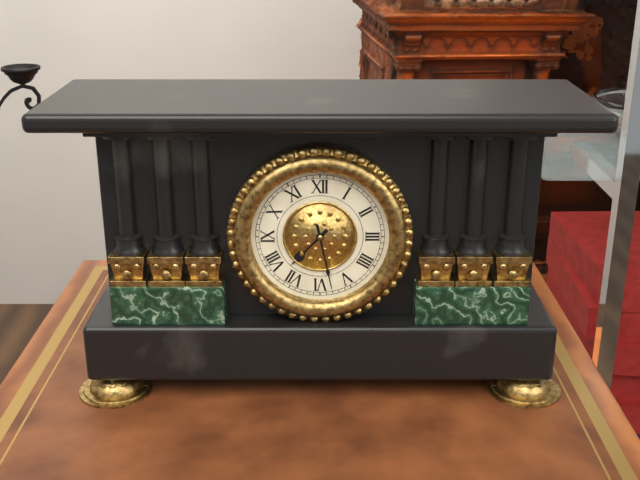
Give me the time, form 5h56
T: 7h28
